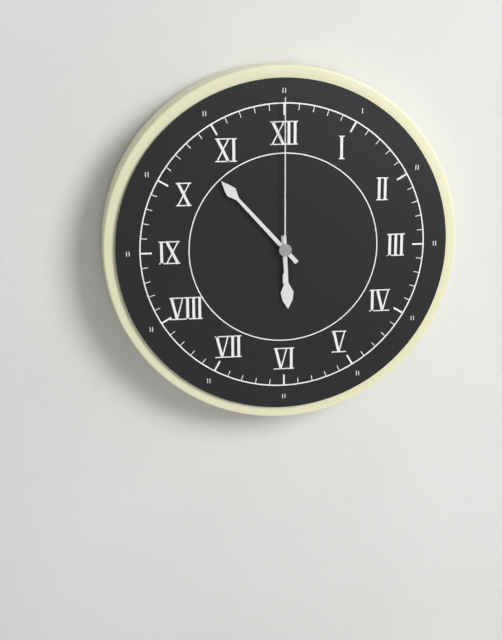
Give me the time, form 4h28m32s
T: 5h53m00s
